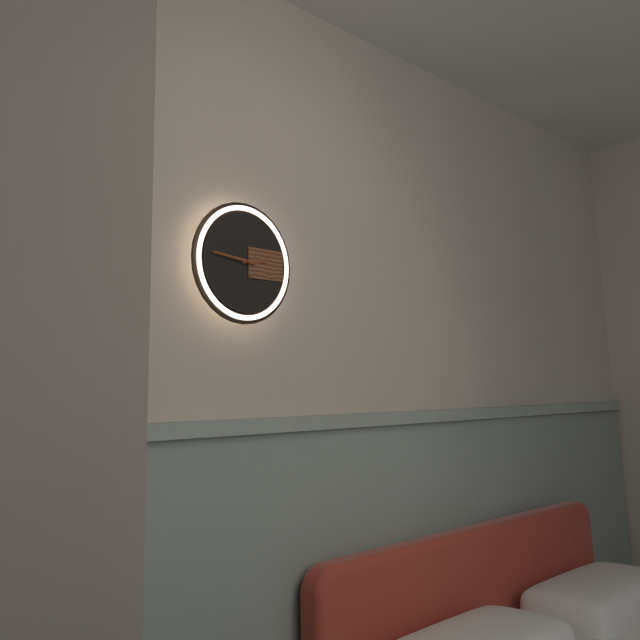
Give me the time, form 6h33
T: 2h46
